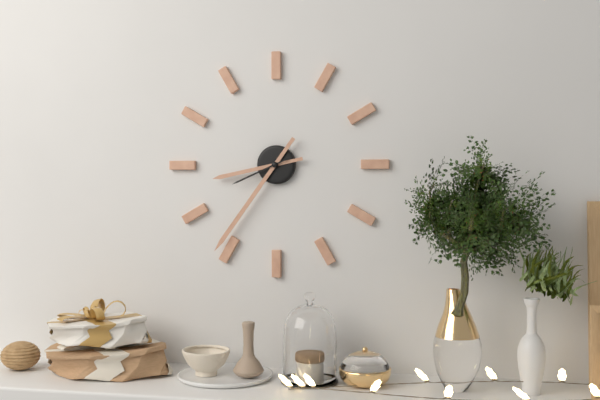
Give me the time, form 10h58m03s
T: 8h36m41s
